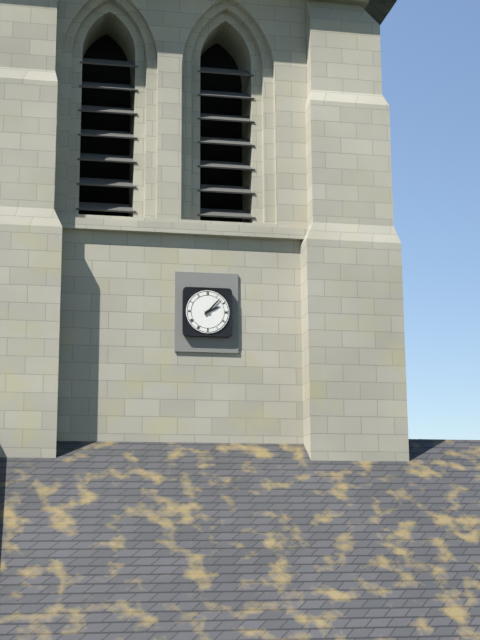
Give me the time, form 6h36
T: 2h07
